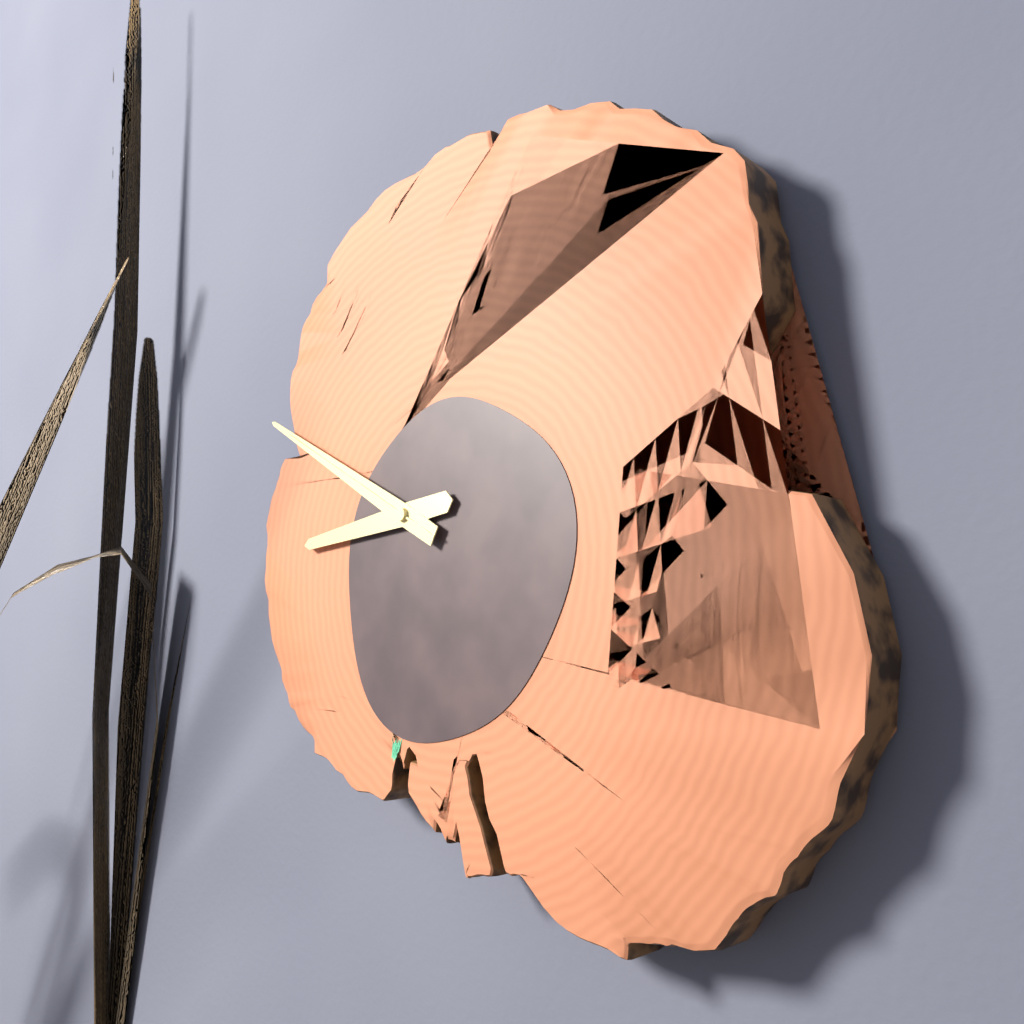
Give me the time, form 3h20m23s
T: 8h50m50s
